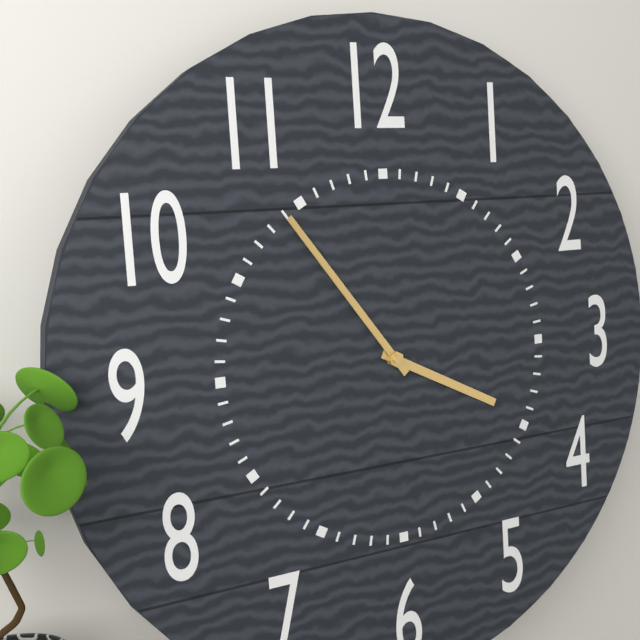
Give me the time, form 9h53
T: 3h54
